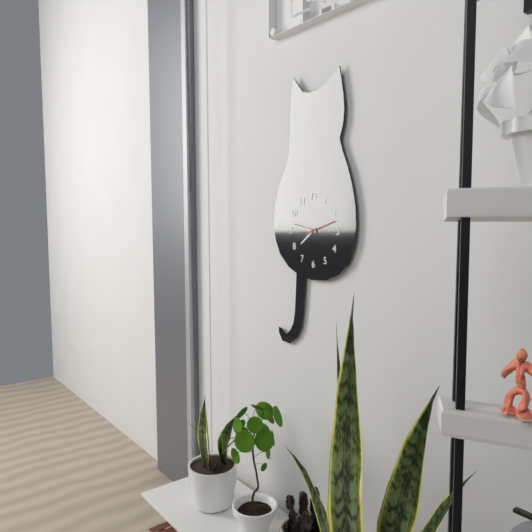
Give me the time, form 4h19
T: 7h47
